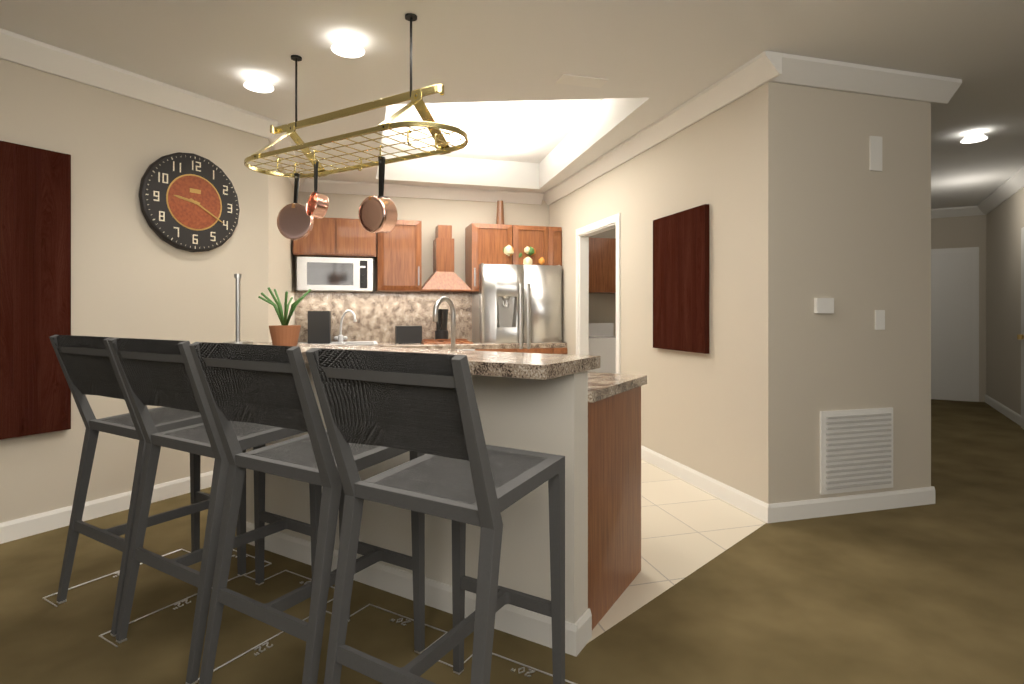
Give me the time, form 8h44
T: 9h20
